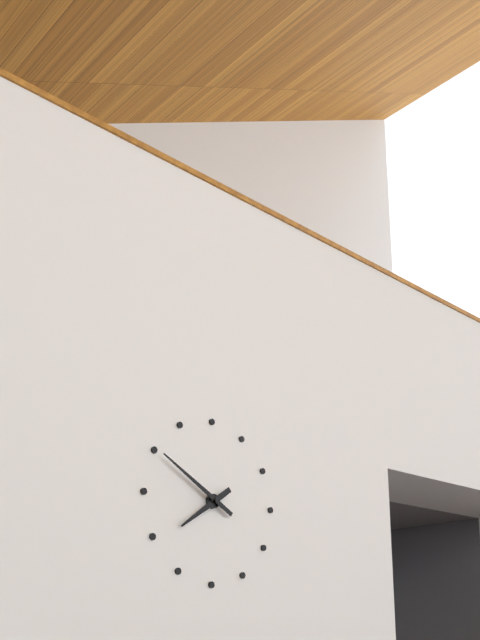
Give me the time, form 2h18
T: 7h50
